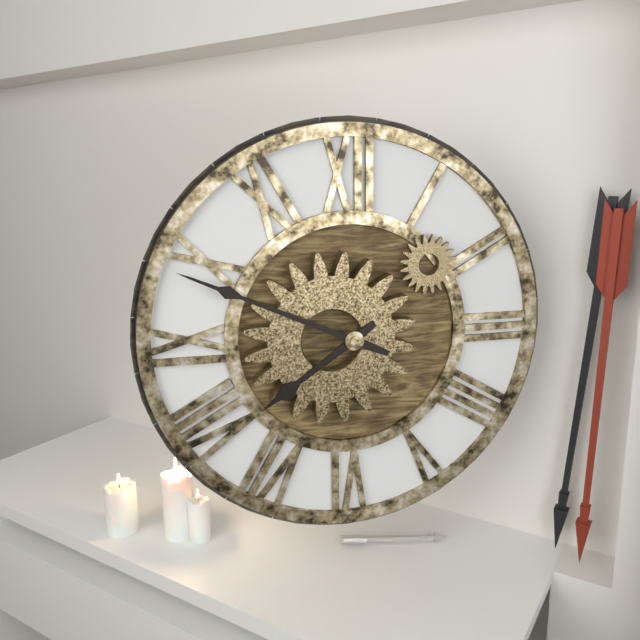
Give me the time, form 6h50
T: 7h49
